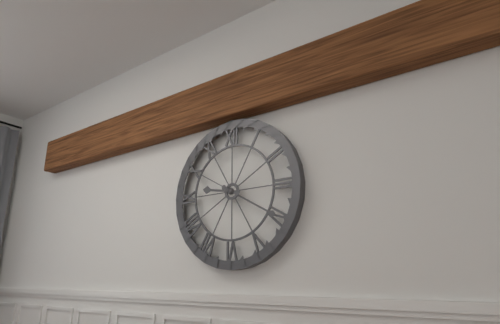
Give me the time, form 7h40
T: 9h20
